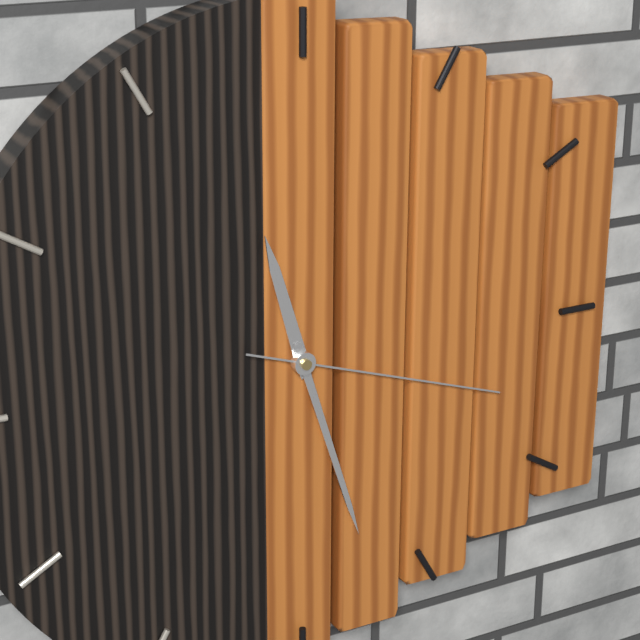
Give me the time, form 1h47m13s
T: 11h27m18s
